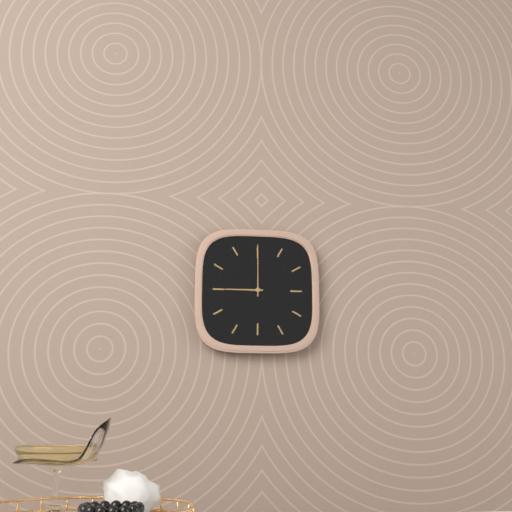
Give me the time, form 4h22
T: 9h00
